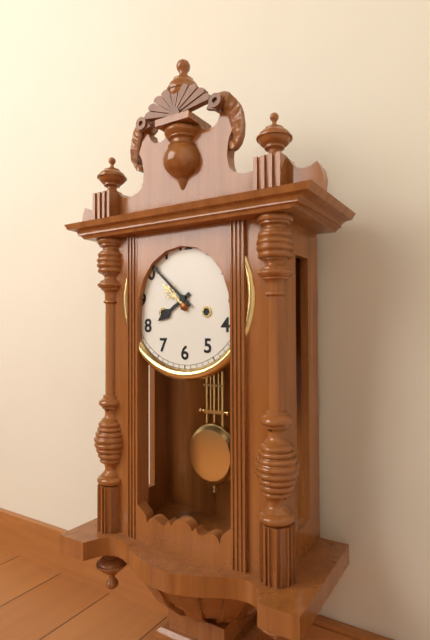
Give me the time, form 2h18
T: 7h52
